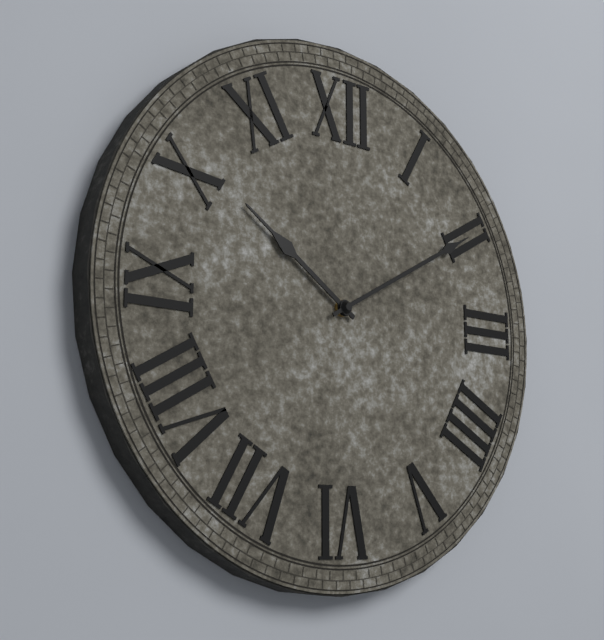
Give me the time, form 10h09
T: 10h10
